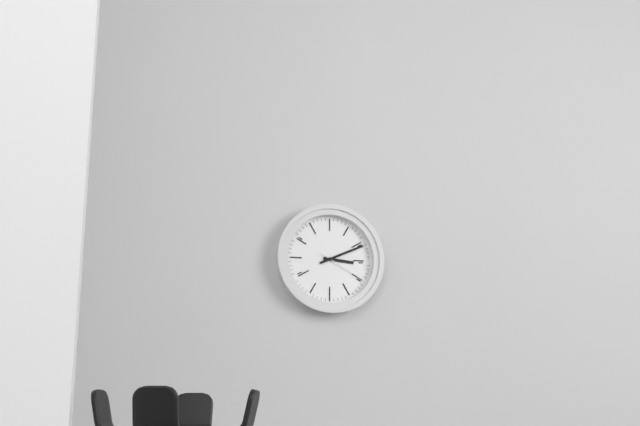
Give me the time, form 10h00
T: 3h11
